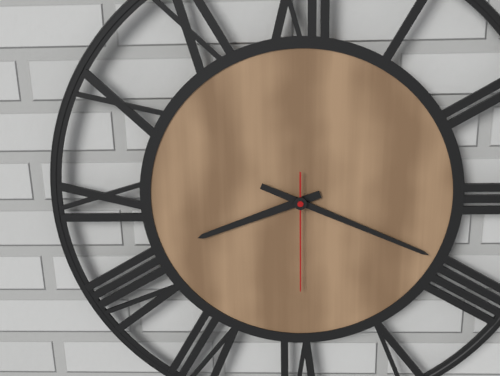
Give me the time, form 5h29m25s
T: 8h19m30s
